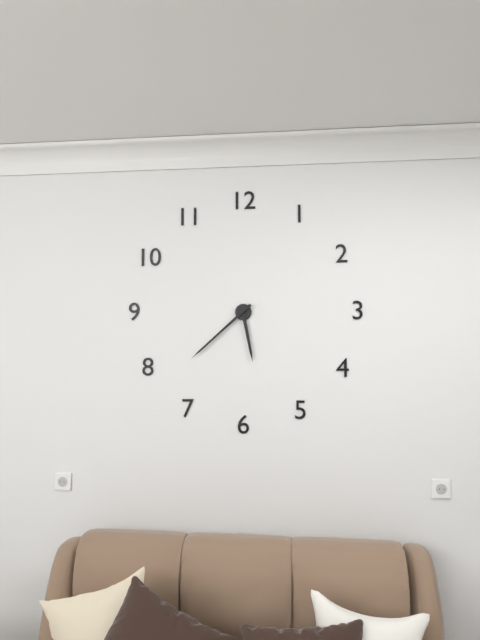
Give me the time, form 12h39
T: 5h38
